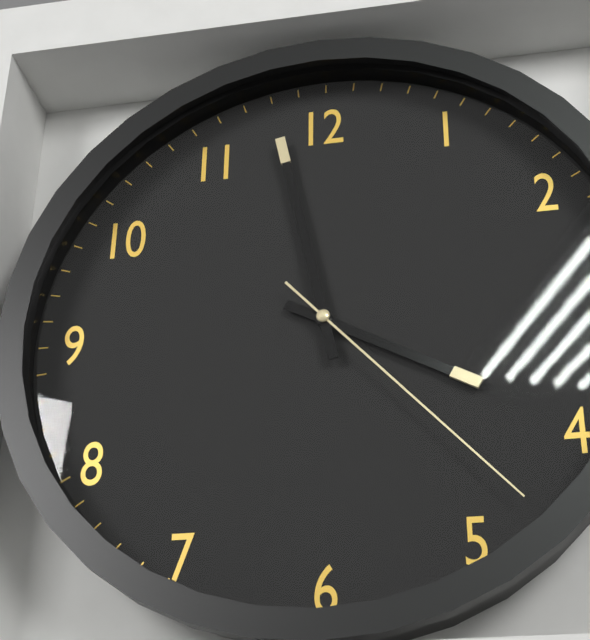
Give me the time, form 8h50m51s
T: 3h58m23s
